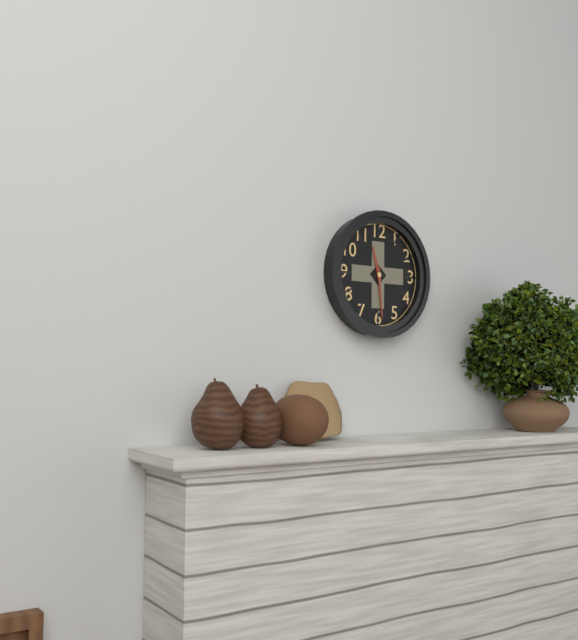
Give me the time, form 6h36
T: 11h29
